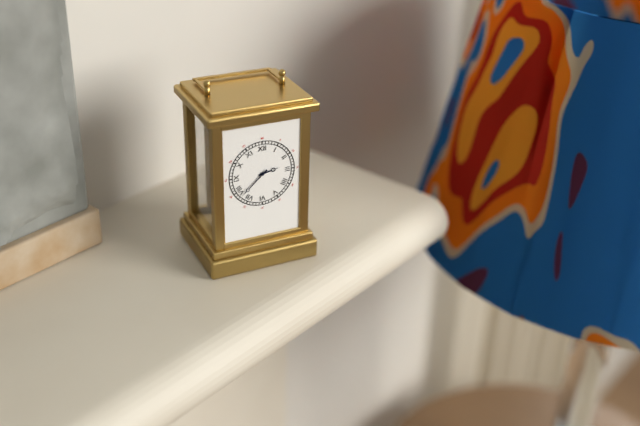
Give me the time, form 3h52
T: 2h38
